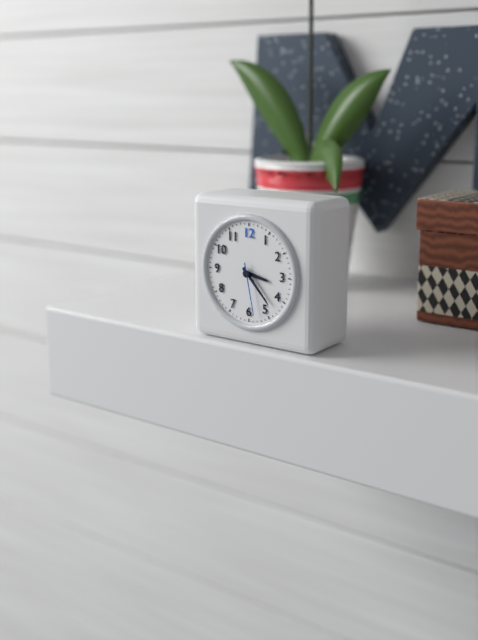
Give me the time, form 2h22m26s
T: 3h23m28s
